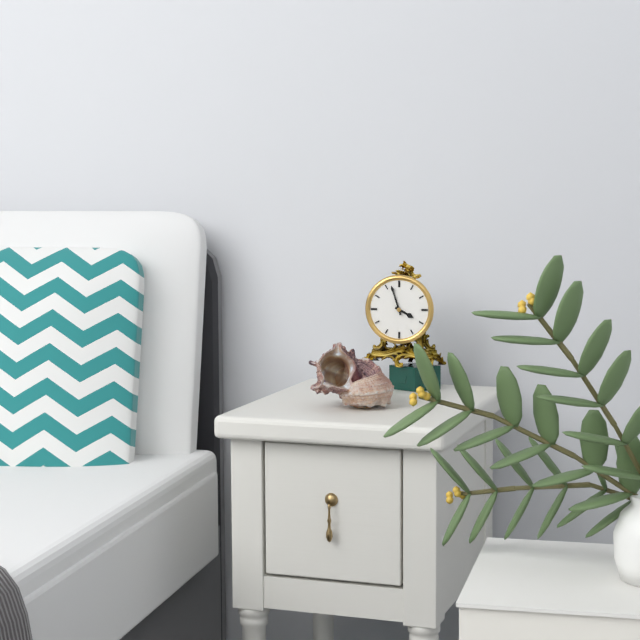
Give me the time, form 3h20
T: 3h57
